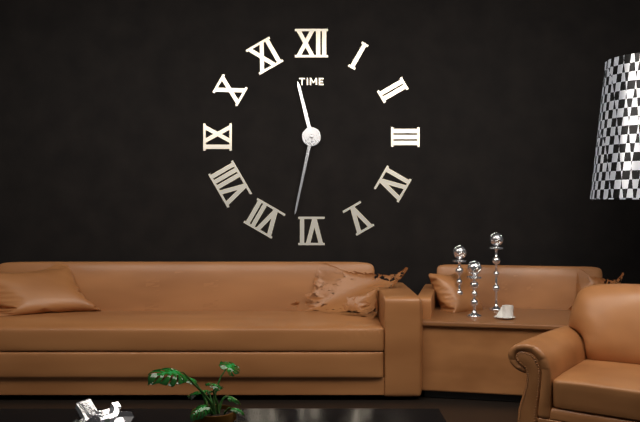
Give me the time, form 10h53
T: 11h32
